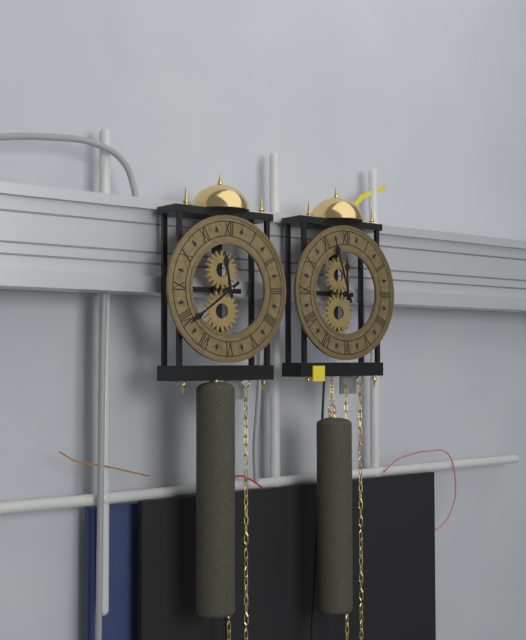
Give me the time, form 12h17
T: 11h39
